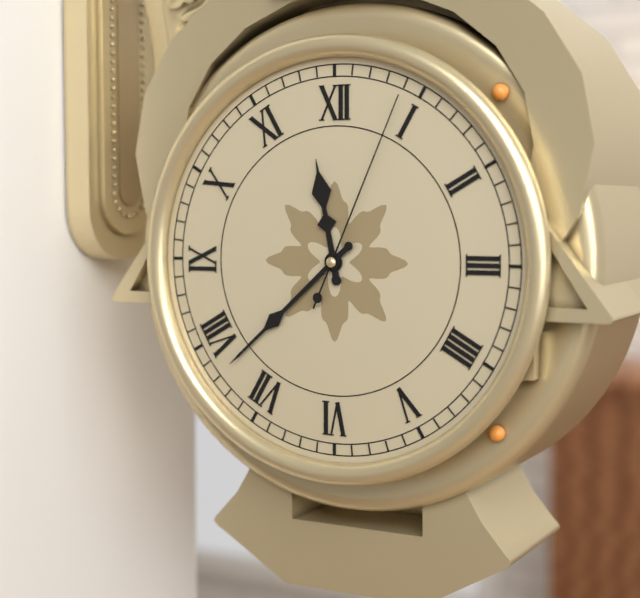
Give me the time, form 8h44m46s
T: 11h38m04s
